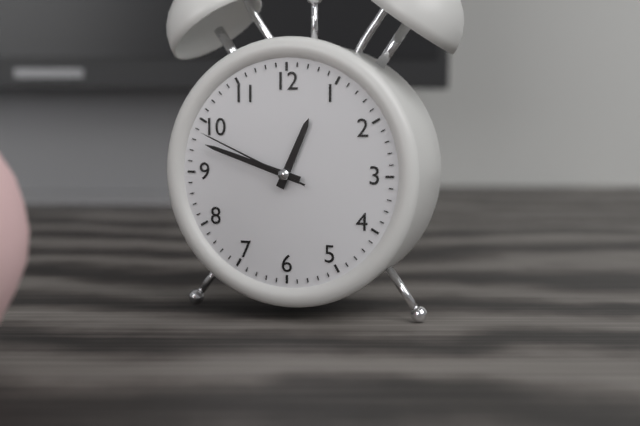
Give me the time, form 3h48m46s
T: 12h48m49s
